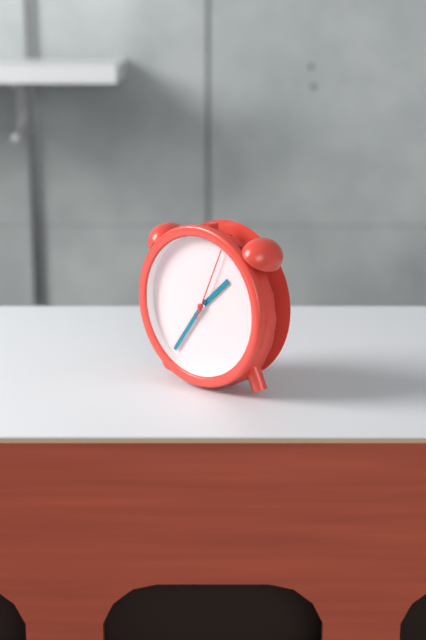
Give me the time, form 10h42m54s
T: 1h36m04s
